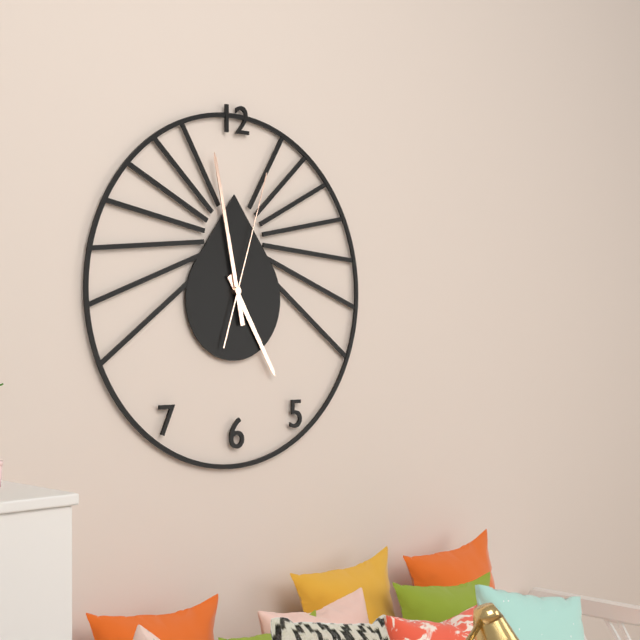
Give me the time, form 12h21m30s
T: 4h58m03s
